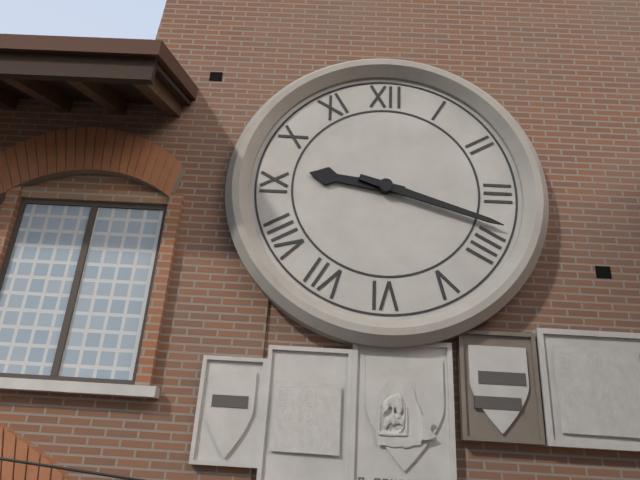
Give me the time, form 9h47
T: 9h18
